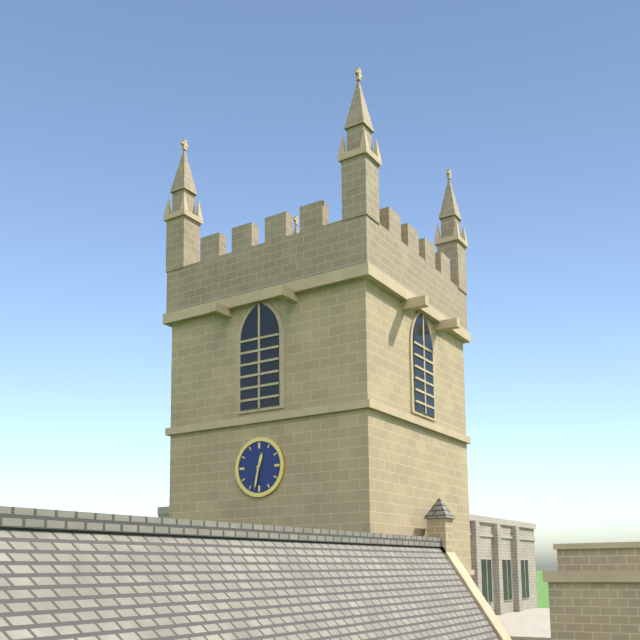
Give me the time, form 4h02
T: 12h32
